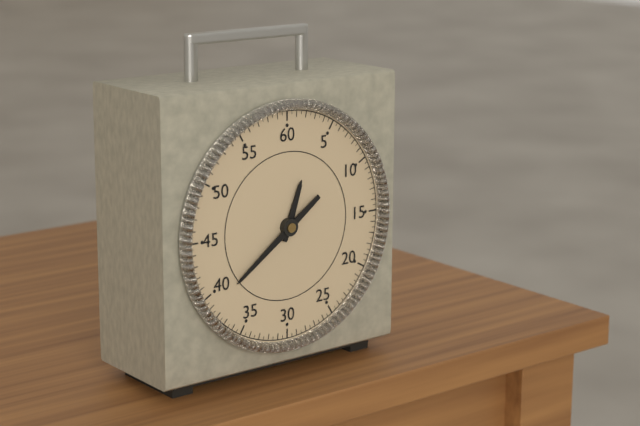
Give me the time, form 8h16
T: 12h39
